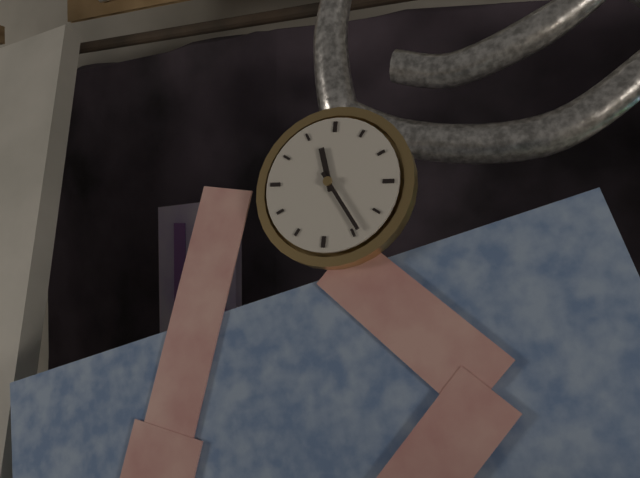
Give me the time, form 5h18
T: 11h24
